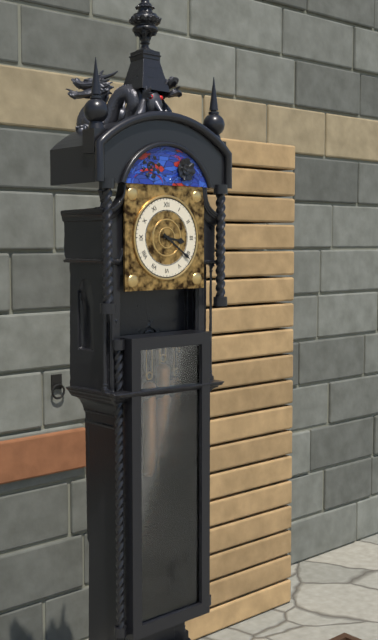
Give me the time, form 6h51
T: 3h21
